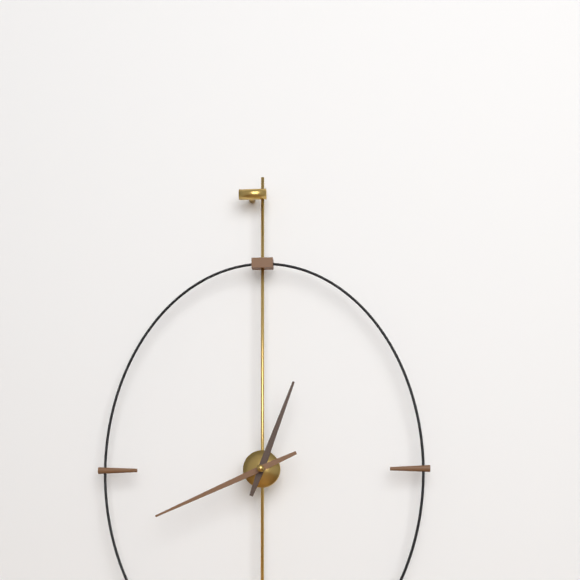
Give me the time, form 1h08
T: 12h41
